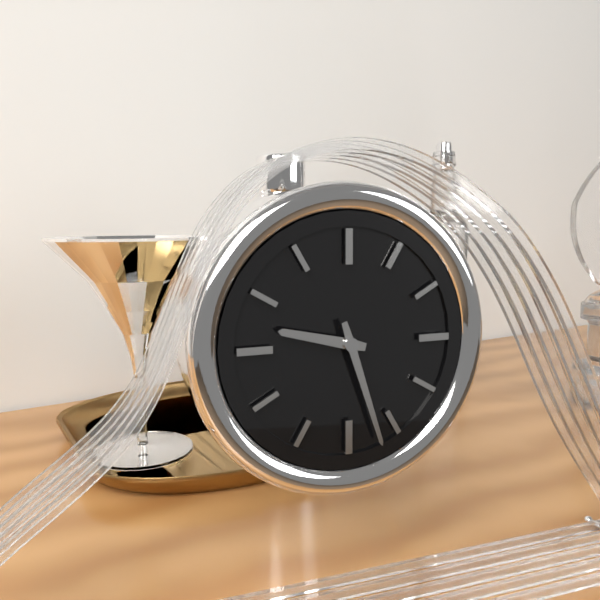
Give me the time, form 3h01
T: 9h27
